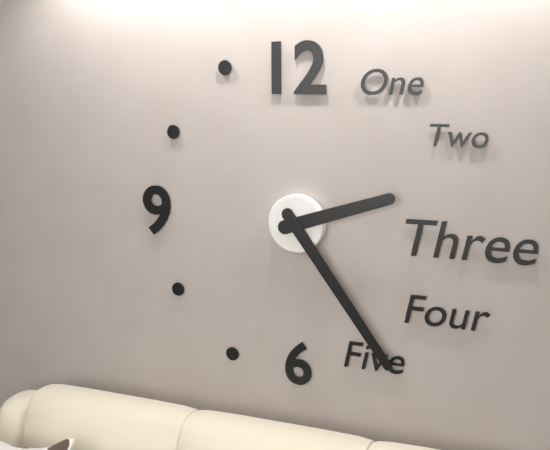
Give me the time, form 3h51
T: 2h24
